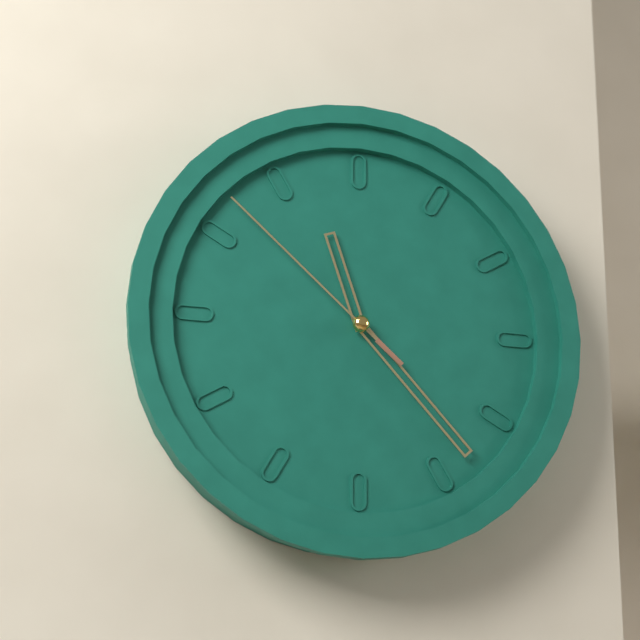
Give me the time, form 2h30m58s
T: 11h23m52s
